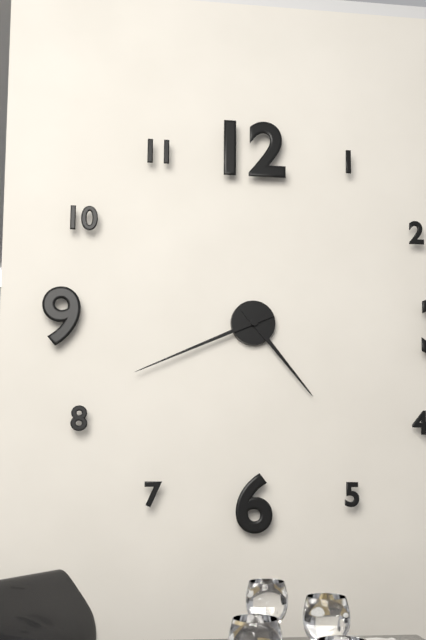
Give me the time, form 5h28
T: 4h41
